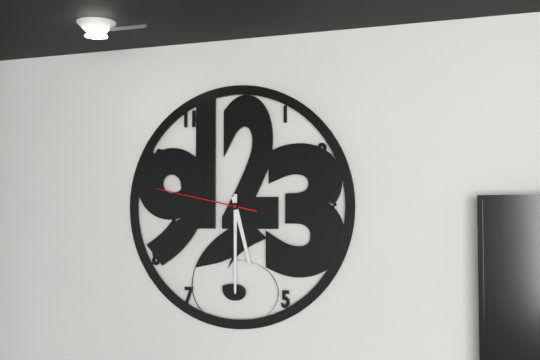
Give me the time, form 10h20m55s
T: 5h30m47s
